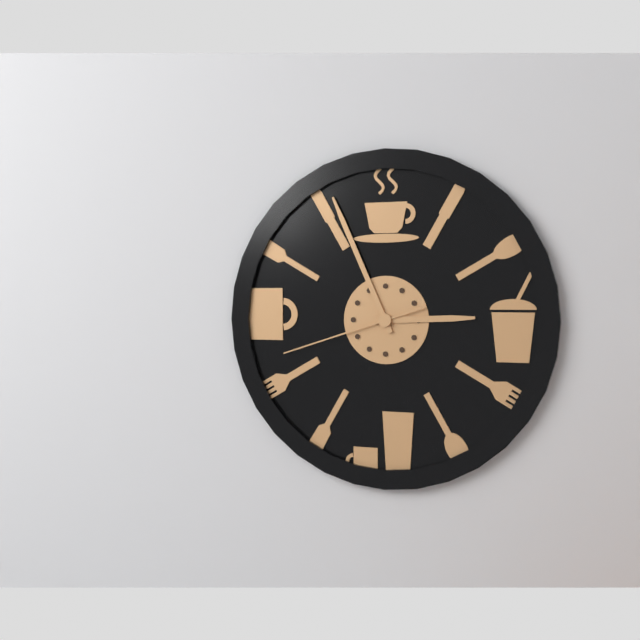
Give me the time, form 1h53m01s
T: 2h56m42s
